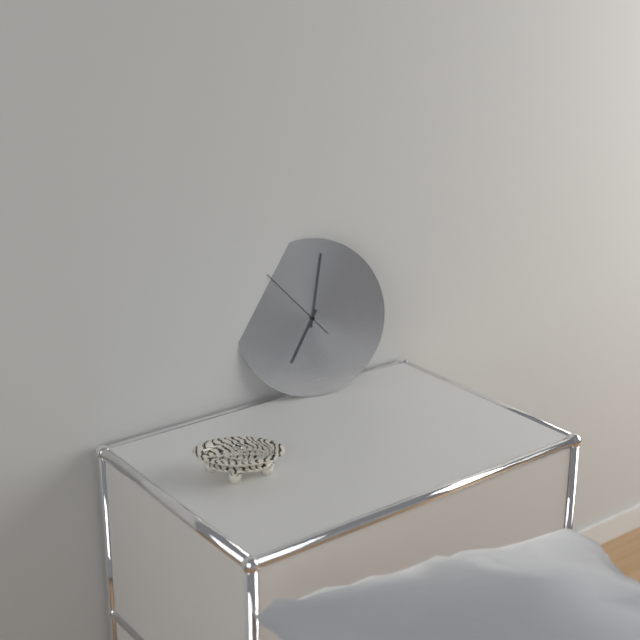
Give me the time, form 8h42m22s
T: 7h02m53s
